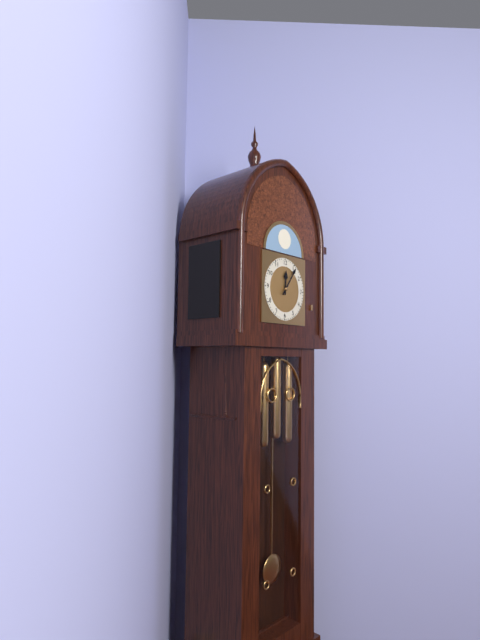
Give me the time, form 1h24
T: 12h06
